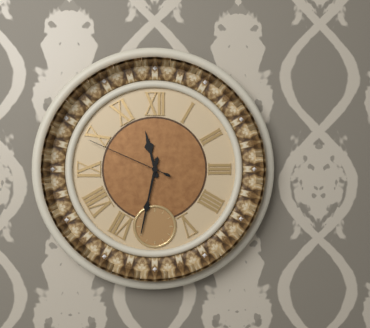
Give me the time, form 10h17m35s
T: 11h32m49s
